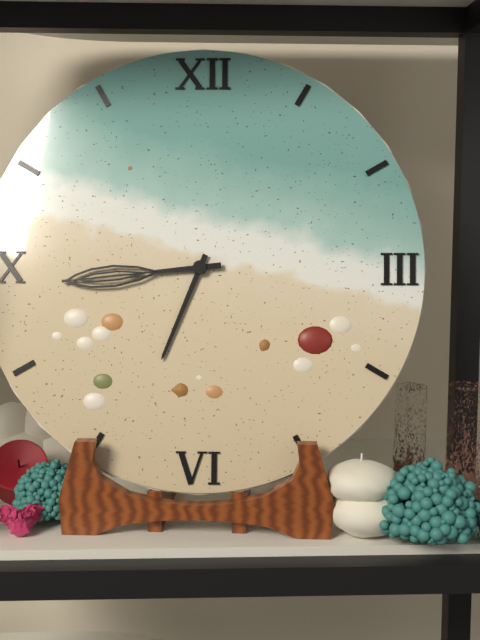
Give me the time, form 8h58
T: 6h44
